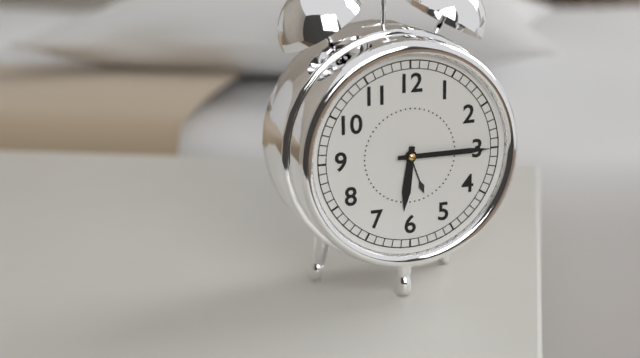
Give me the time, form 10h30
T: 6h15
